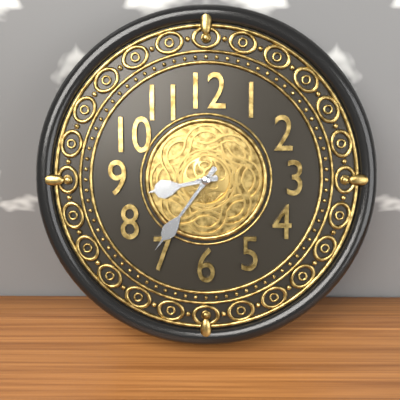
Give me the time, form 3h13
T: 8h36
